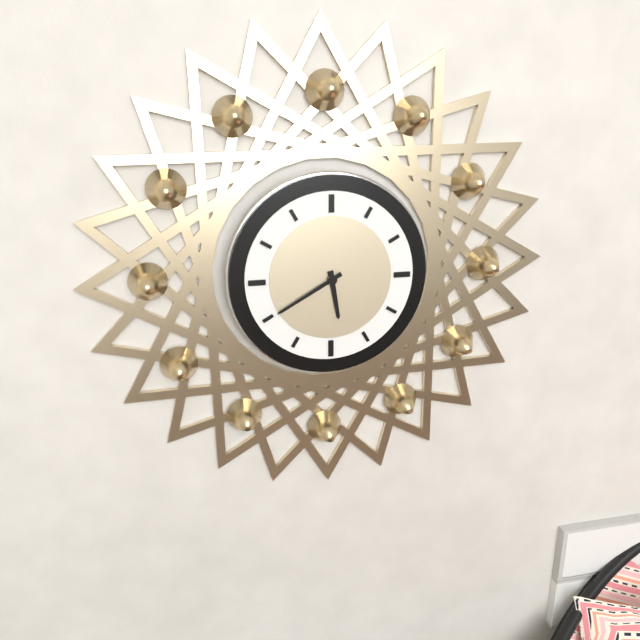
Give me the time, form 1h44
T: 5h40
